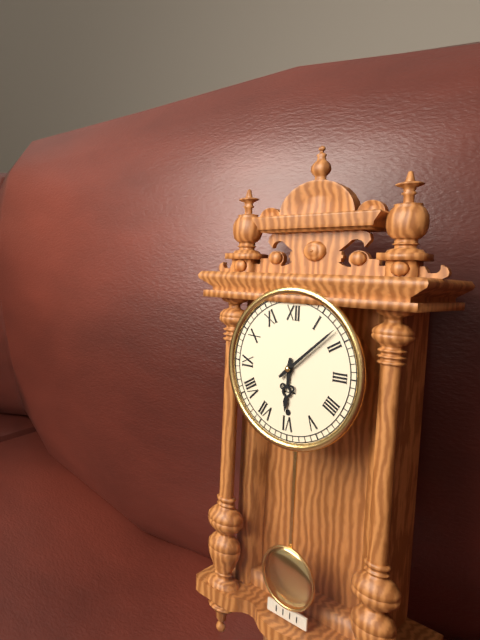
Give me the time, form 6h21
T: 6h08
